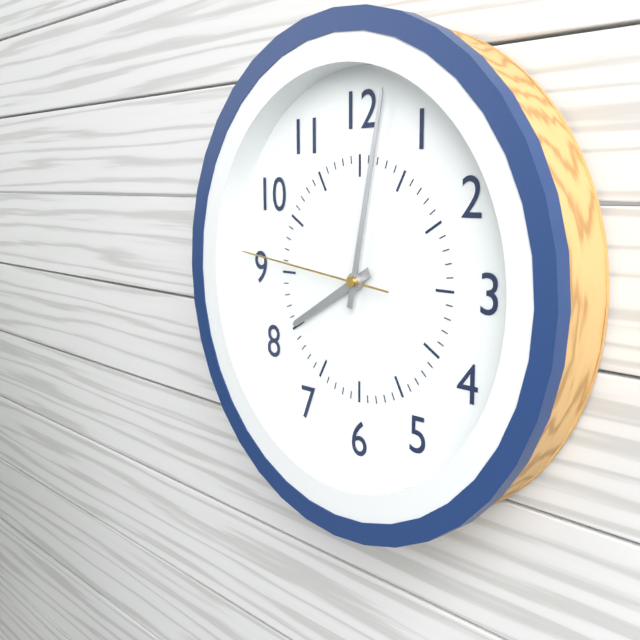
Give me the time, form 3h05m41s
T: 8h02m46s
